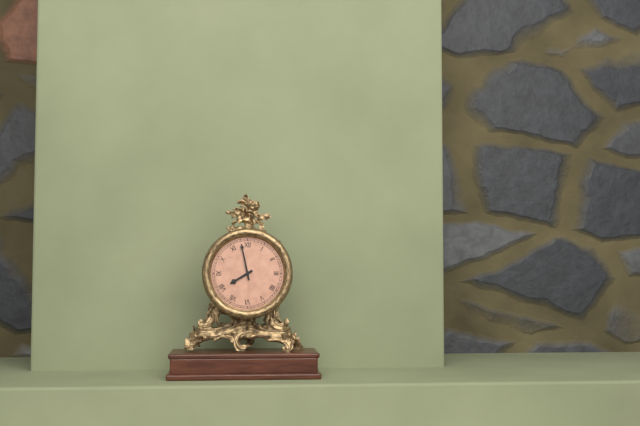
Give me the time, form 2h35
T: 7h58
